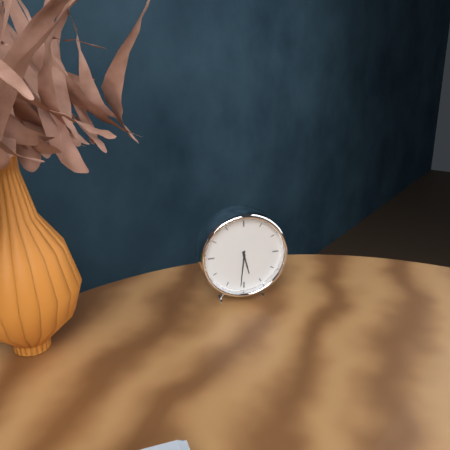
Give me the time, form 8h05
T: 5h31
